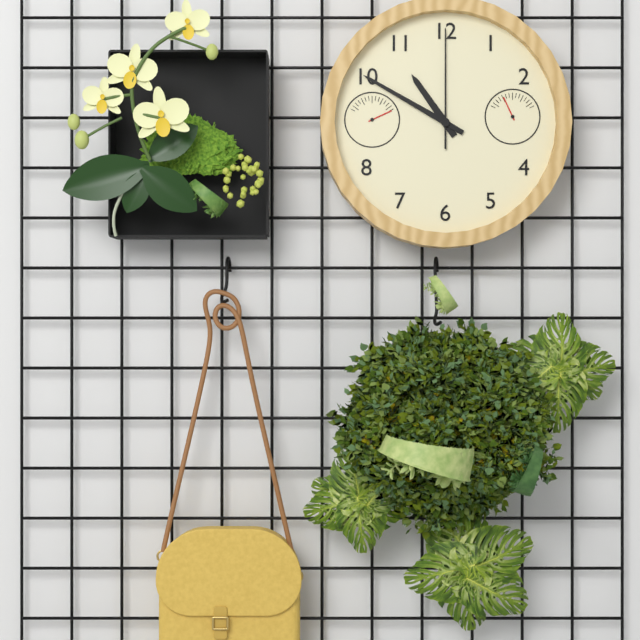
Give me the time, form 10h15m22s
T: 10h50m00s
